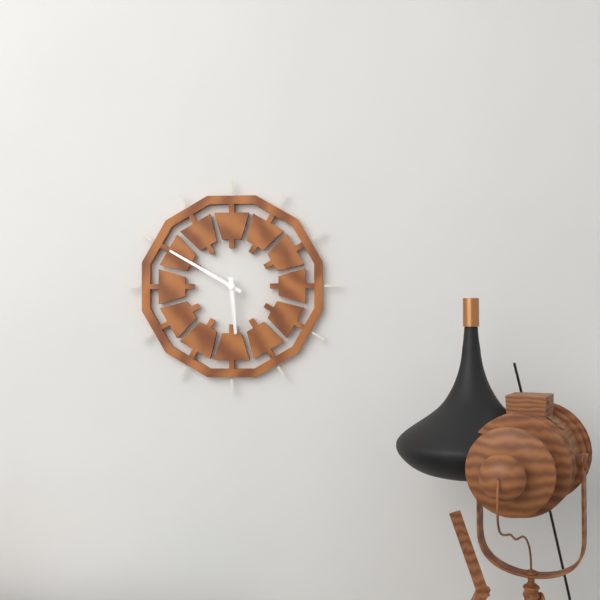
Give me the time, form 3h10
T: 5h50
